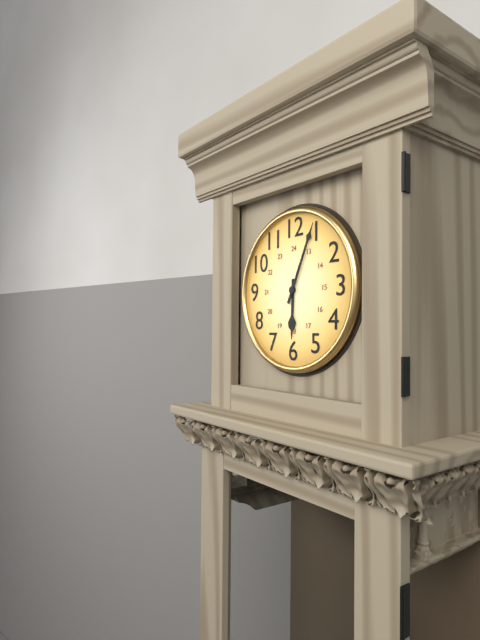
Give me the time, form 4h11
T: 6h04
